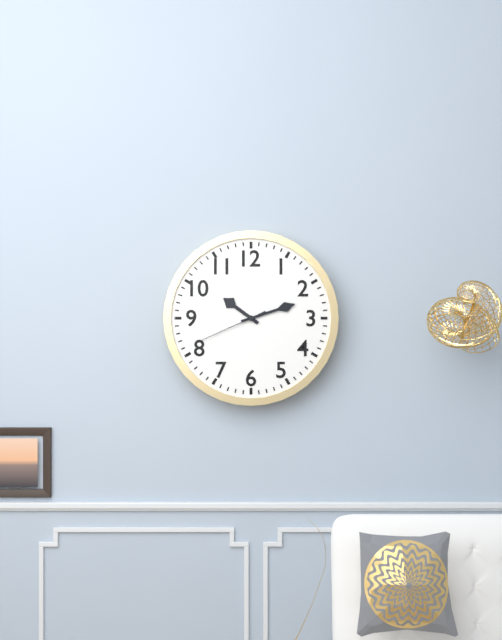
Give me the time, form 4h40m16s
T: 10h12m41s
